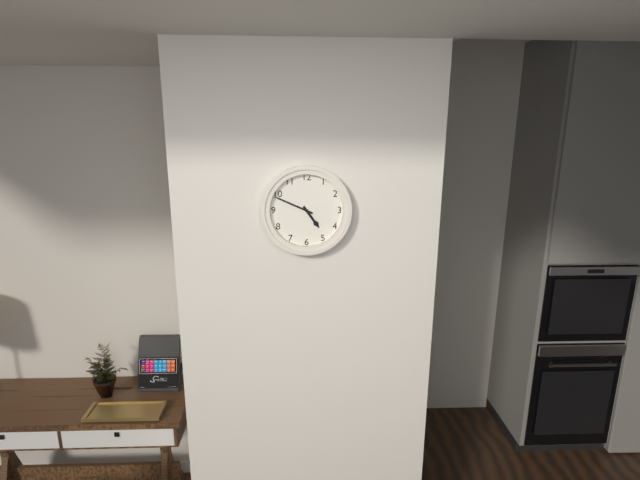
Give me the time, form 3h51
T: 4h49
